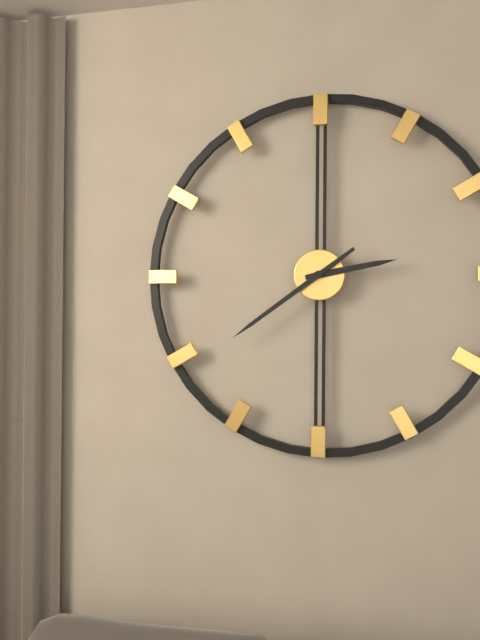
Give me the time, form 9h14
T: 2h39
